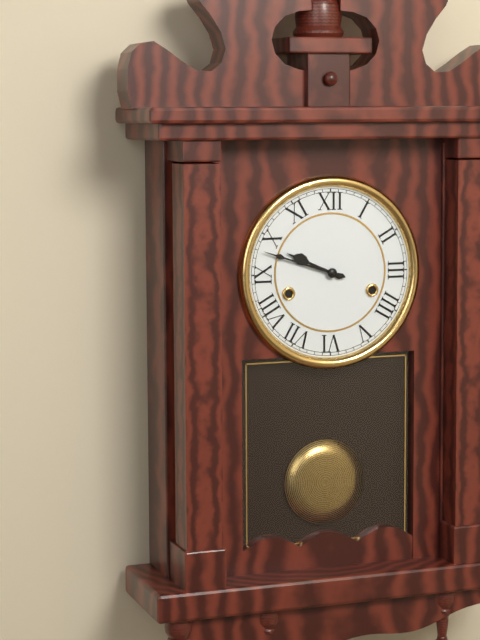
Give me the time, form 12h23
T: 9h48
